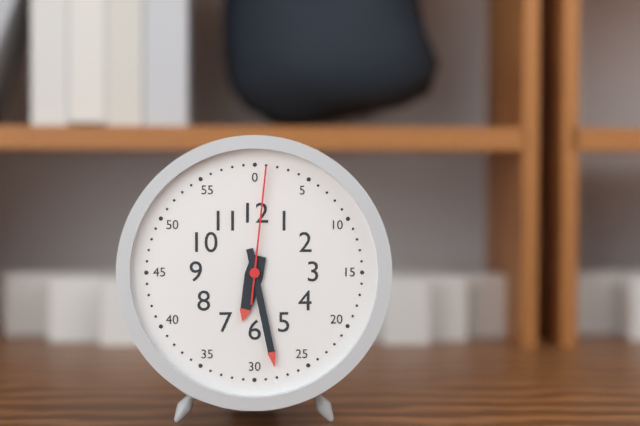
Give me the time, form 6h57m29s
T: 6h28m01s
